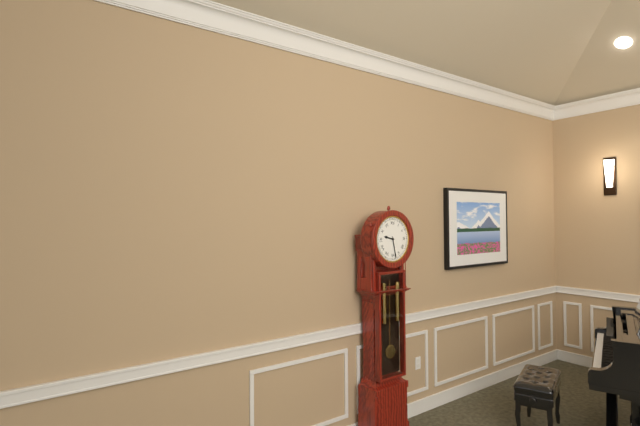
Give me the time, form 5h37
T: 9h28
